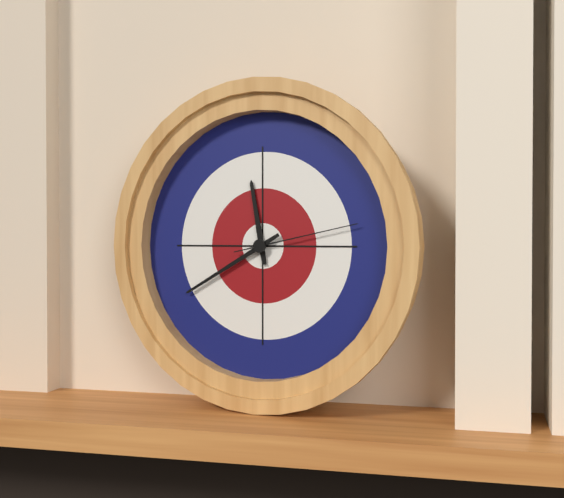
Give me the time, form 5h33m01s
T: 11h40m13s
